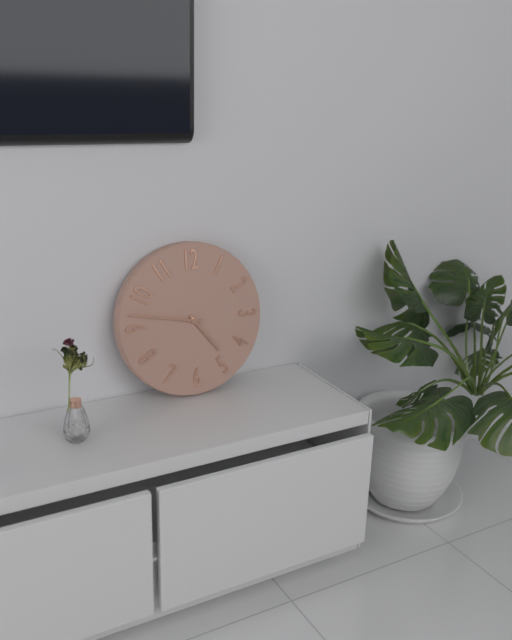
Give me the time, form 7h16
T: 4h47
